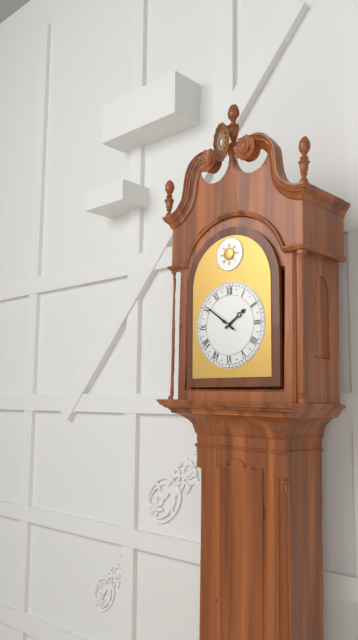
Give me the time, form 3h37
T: 1h51
